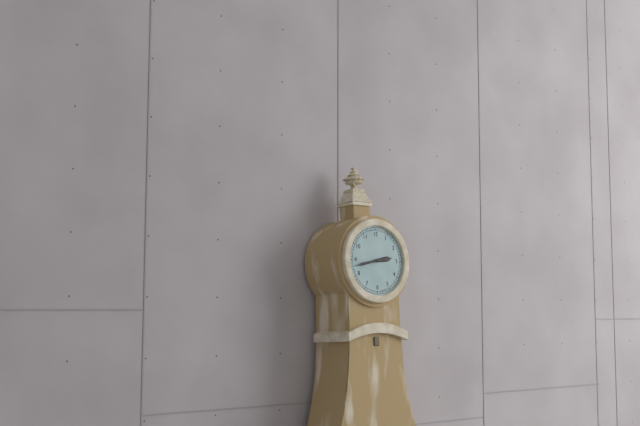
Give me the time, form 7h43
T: 2h43
